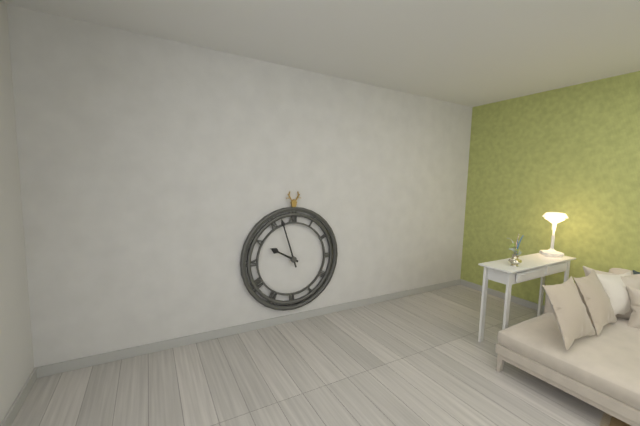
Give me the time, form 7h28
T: 9h57
